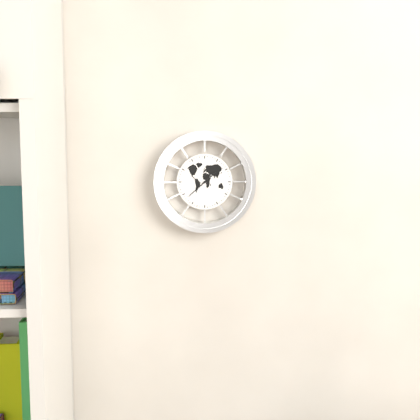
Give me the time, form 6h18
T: 1h38
